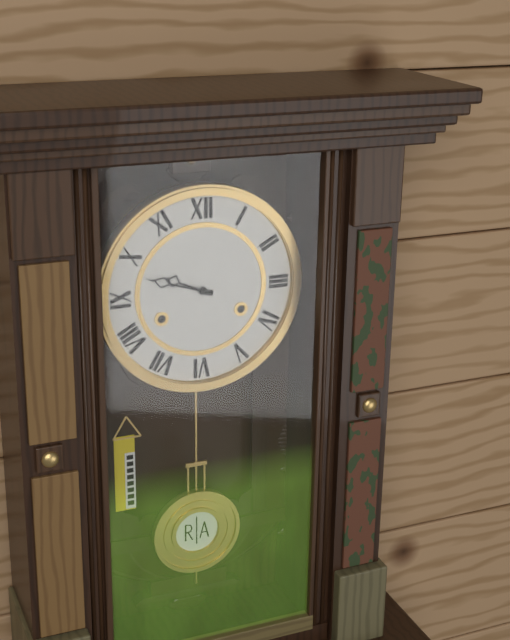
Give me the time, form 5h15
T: 9h48
